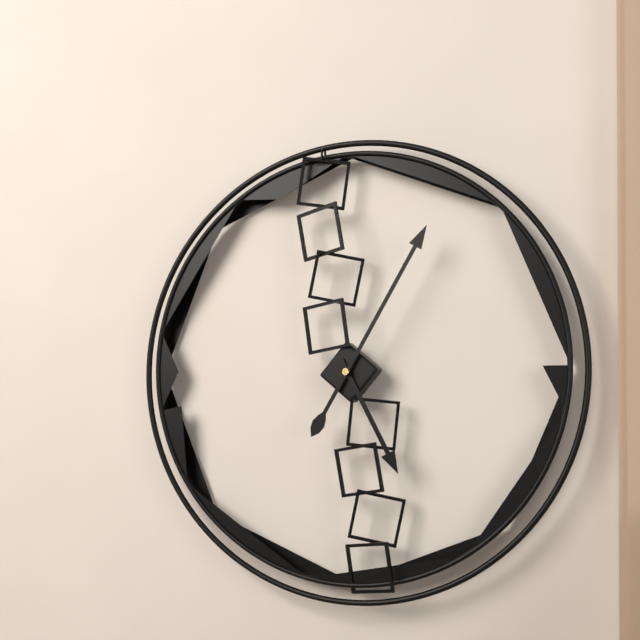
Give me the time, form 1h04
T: 5h05
